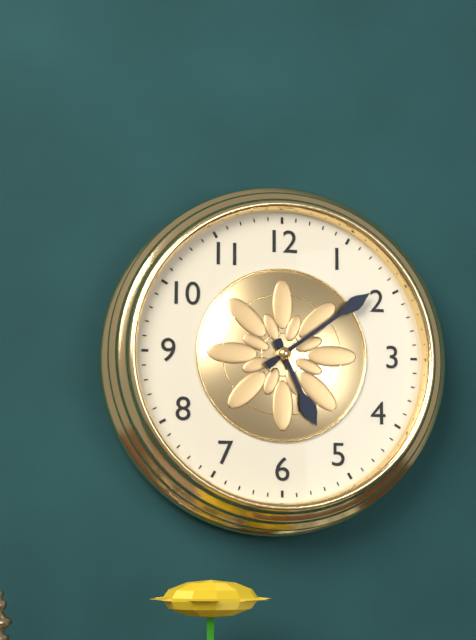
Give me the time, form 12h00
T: 5h09
